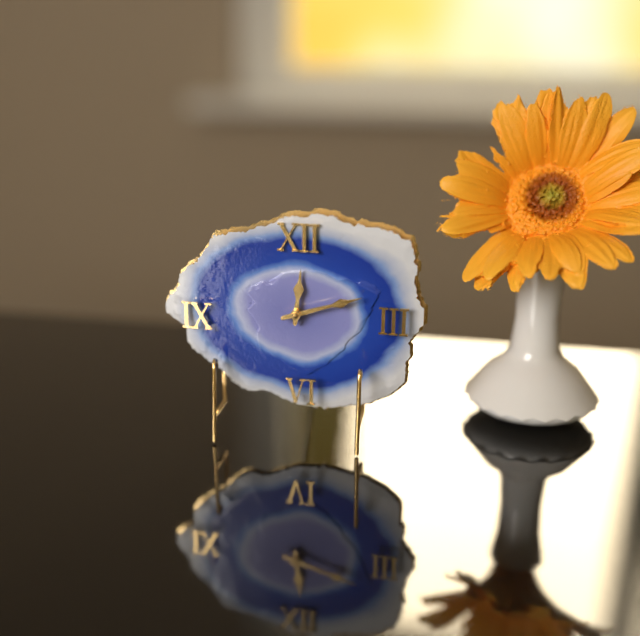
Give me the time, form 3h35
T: 12h12
